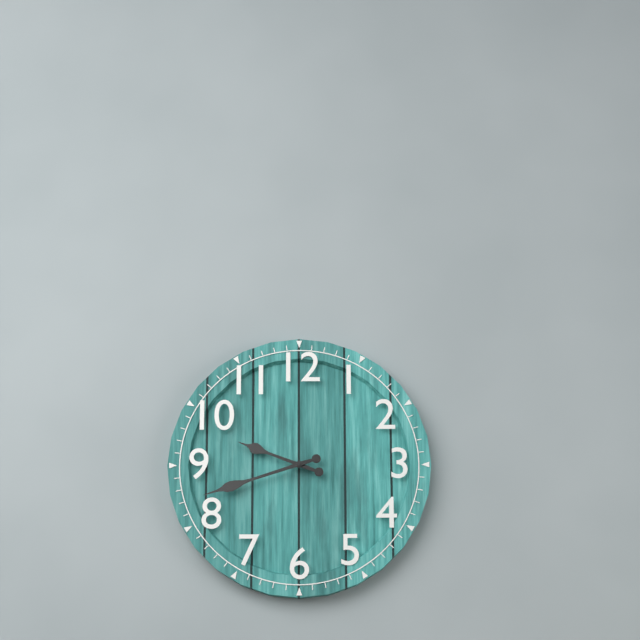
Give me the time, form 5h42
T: 9h42
